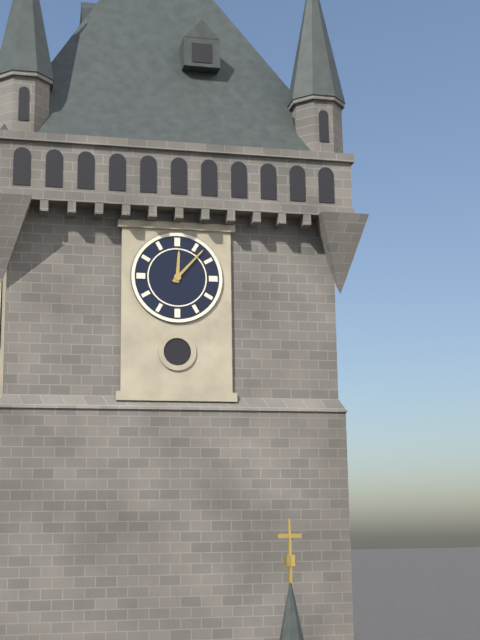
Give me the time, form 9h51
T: 12h07
